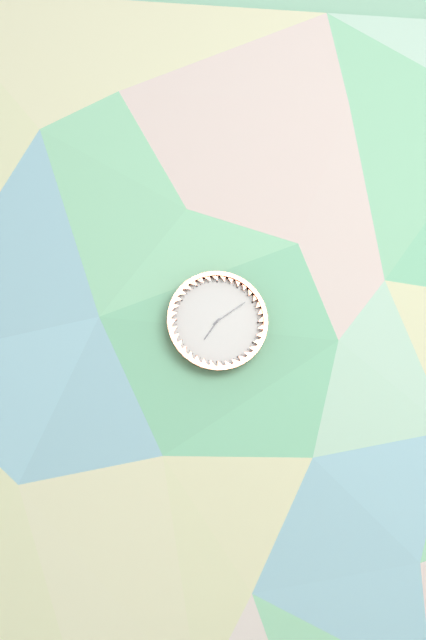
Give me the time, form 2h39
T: 7h09
